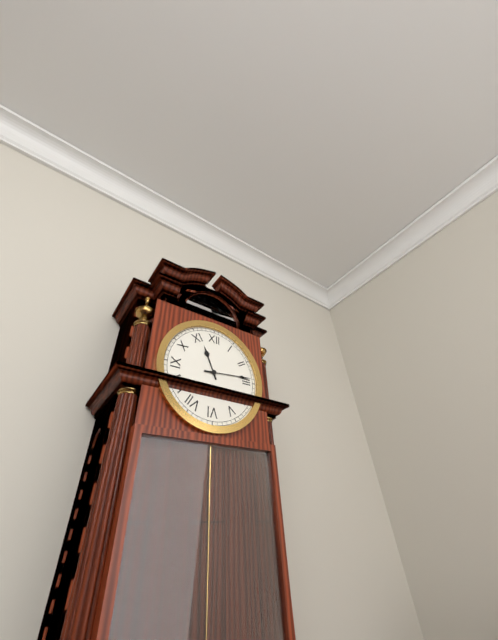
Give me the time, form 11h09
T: 11h14
